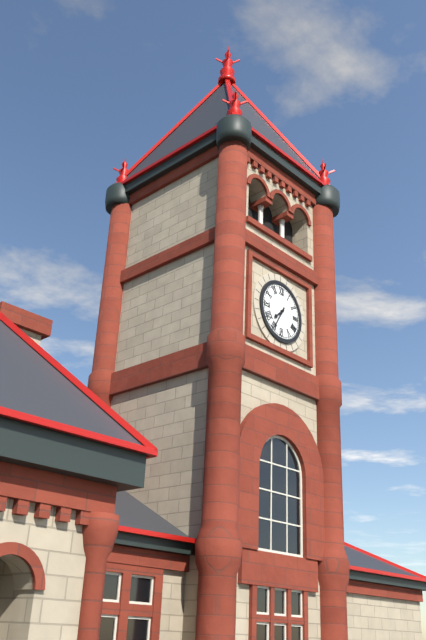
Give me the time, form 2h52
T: 7h35
